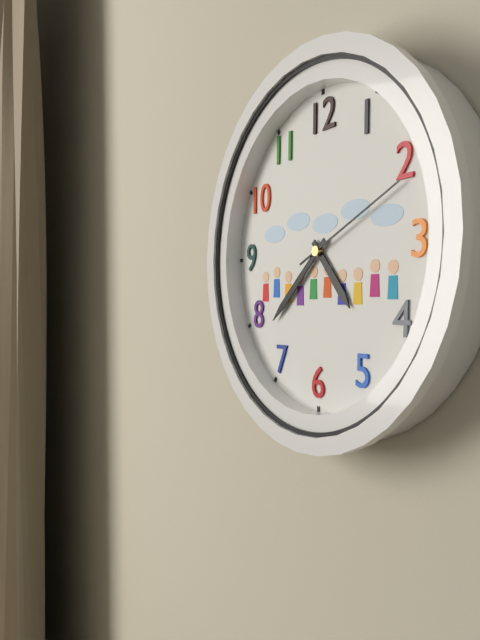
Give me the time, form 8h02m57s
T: 4h38m11s
